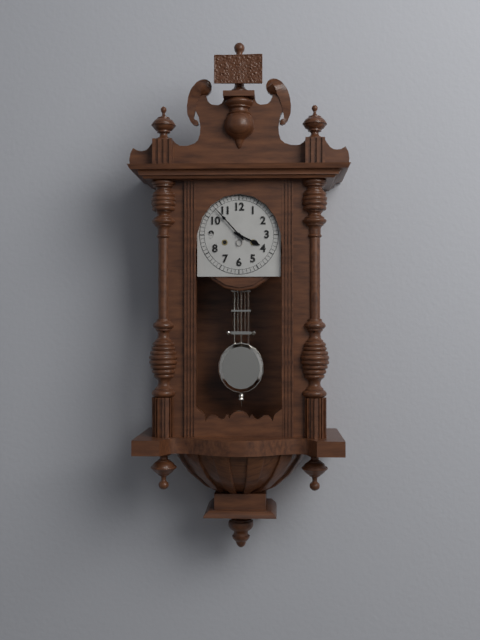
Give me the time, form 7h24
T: 3h53
